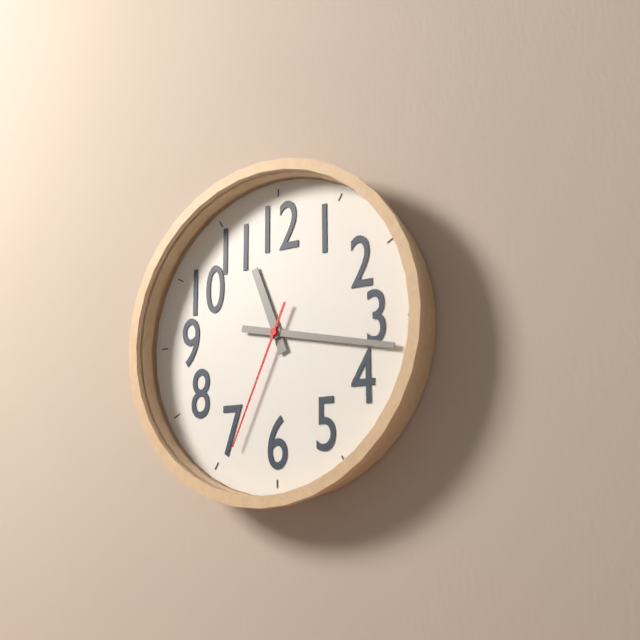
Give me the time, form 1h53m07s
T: 11h17m34s
